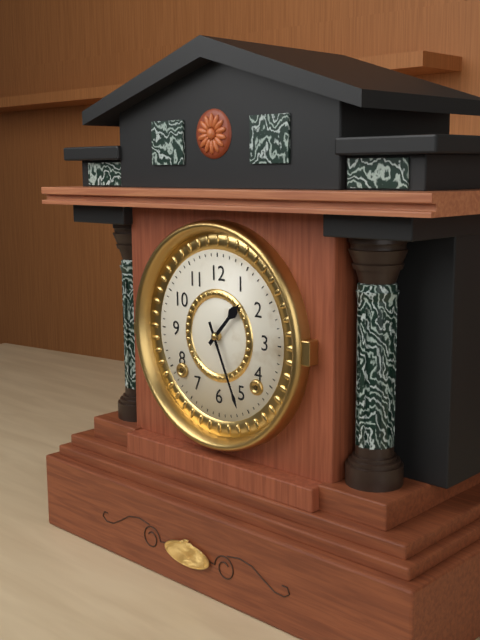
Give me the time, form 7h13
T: 1h26
